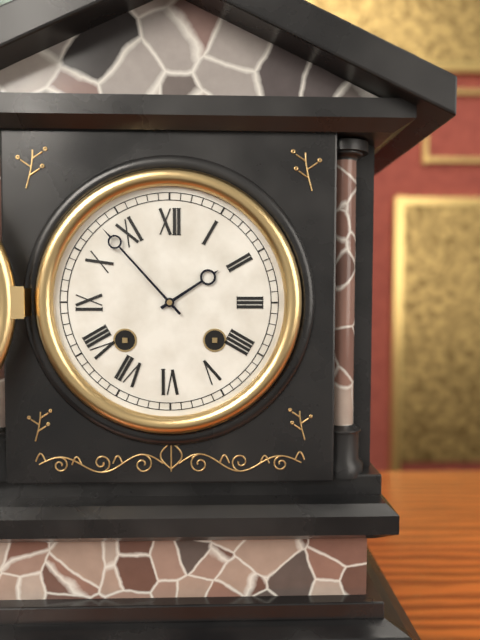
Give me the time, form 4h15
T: 1h53
